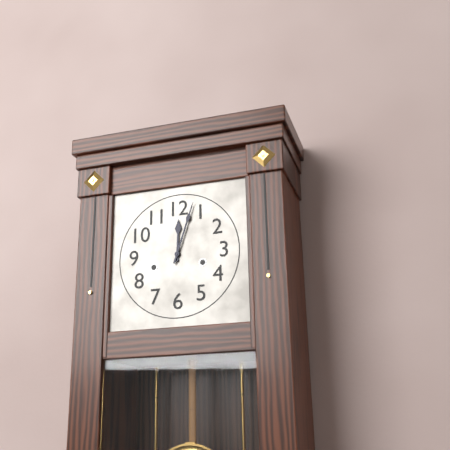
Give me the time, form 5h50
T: 12h03
